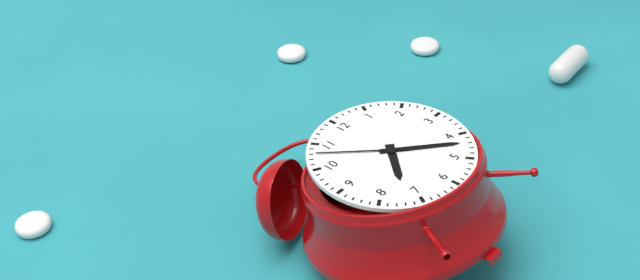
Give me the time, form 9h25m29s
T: 7h22m53s
